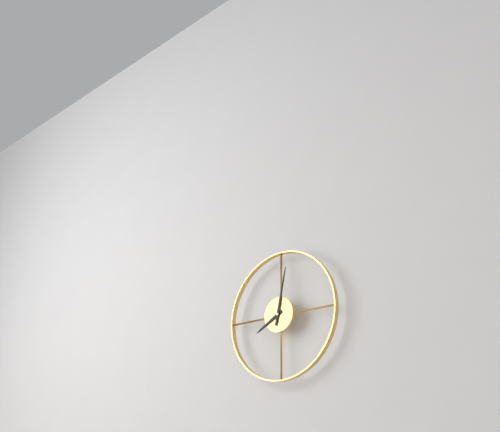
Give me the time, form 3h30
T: 8h02
